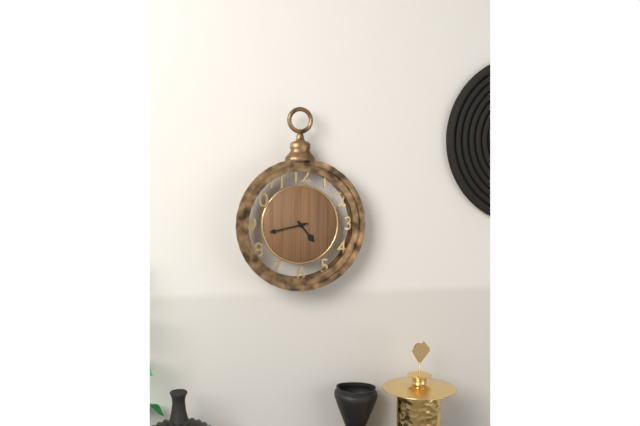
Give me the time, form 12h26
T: 4h43
